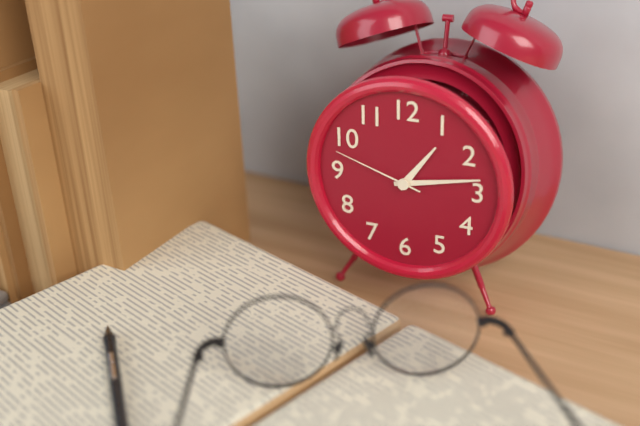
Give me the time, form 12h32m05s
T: 1h13m48s
